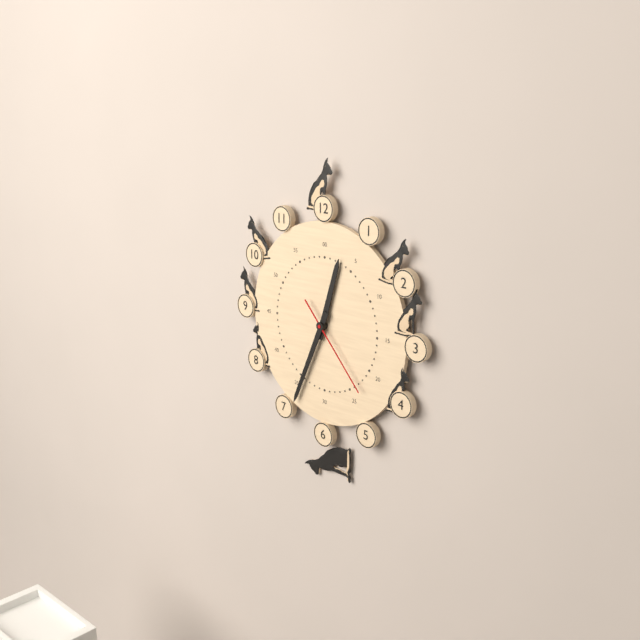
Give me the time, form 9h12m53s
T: 12h34m23s
